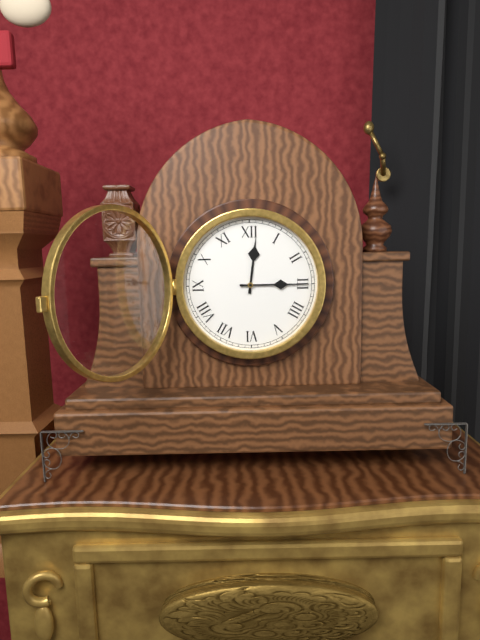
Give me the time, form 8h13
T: 12h15
